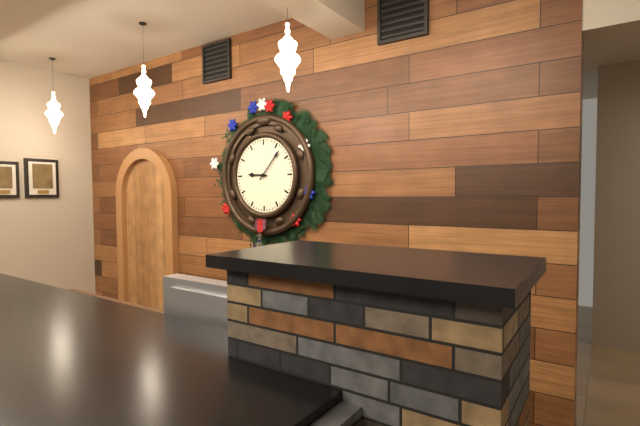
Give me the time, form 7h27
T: 9h07
